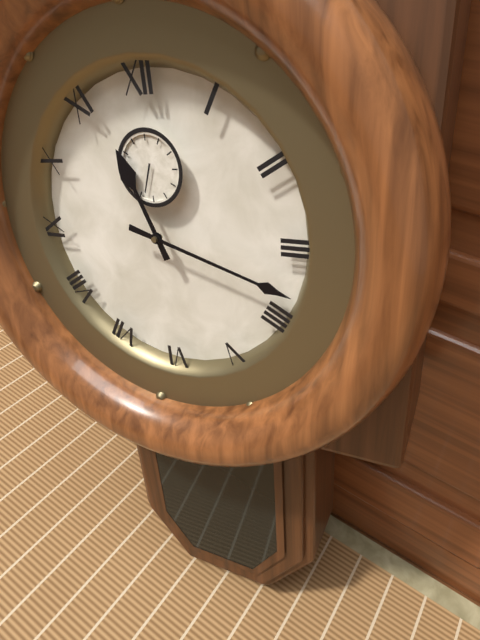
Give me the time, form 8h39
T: 11h18
